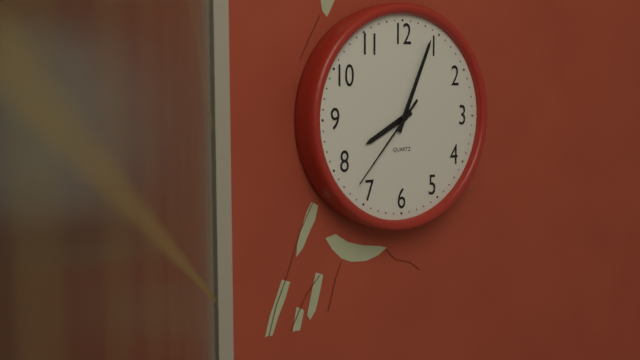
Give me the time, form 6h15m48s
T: 8h04m37s
